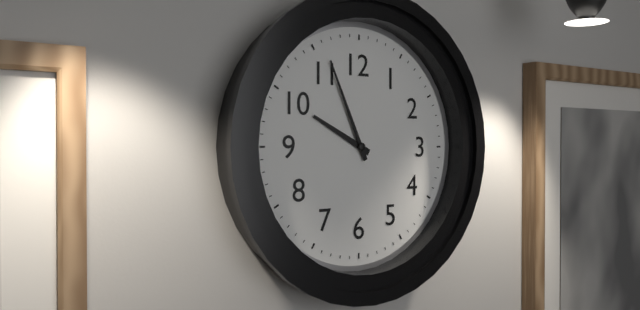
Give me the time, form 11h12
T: 9h56
